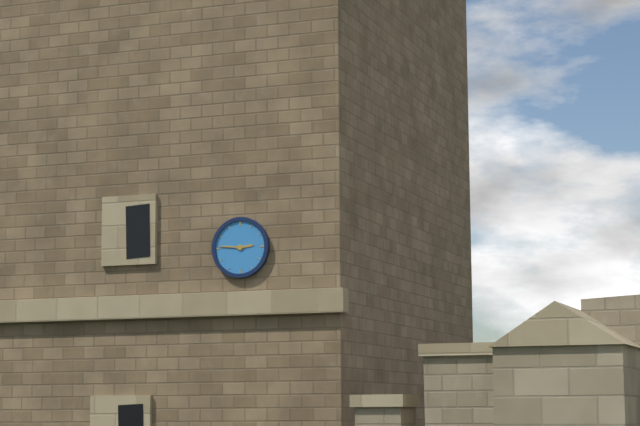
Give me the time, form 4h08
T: 2h46
